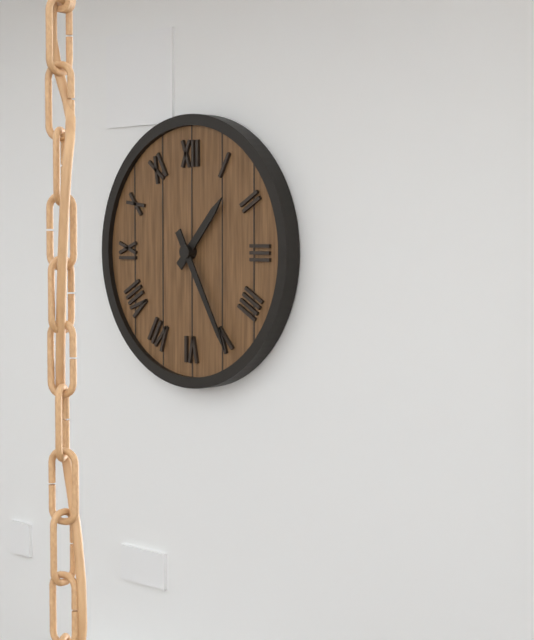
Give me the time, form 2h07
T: 1h25
